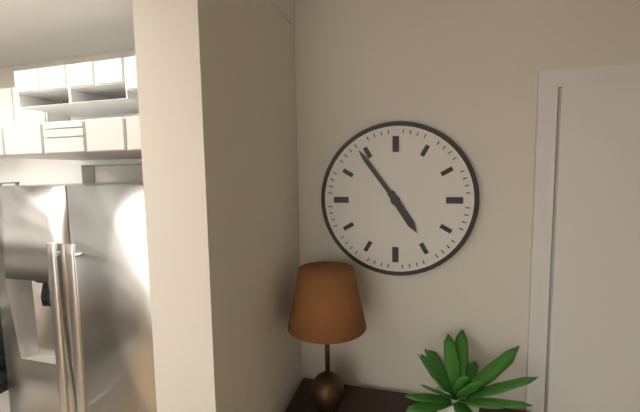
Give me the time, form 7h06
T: 4h54
